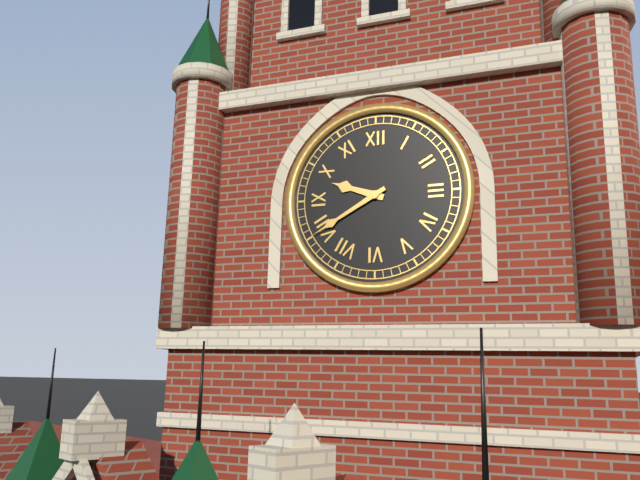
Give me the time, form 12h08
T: 9h40
